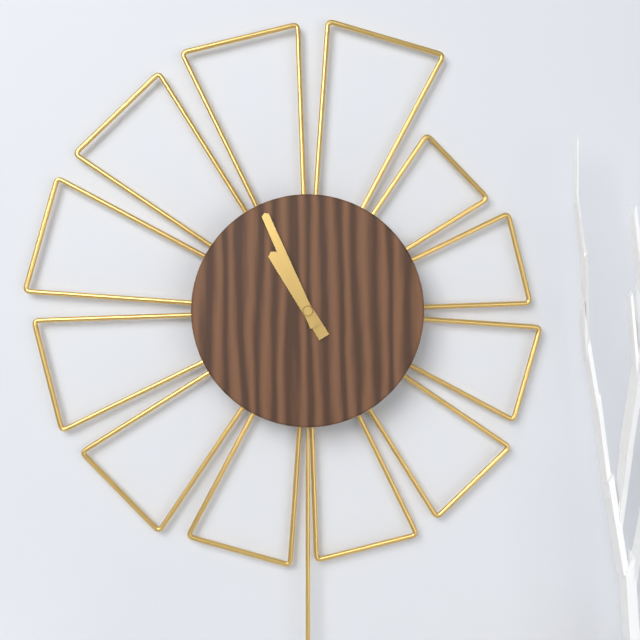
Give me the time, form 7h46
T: 10h56
